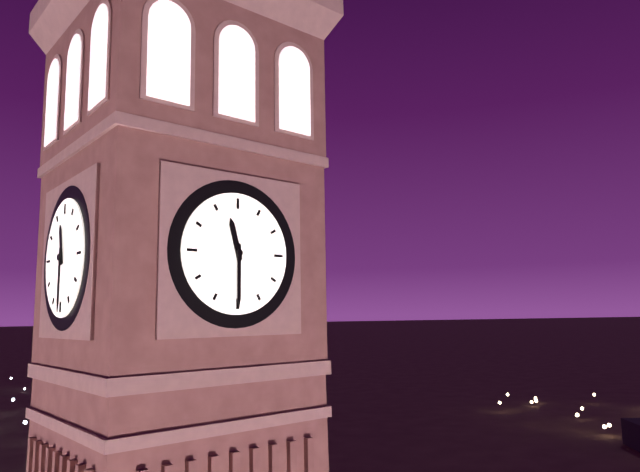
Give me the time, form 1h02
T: 11h30
